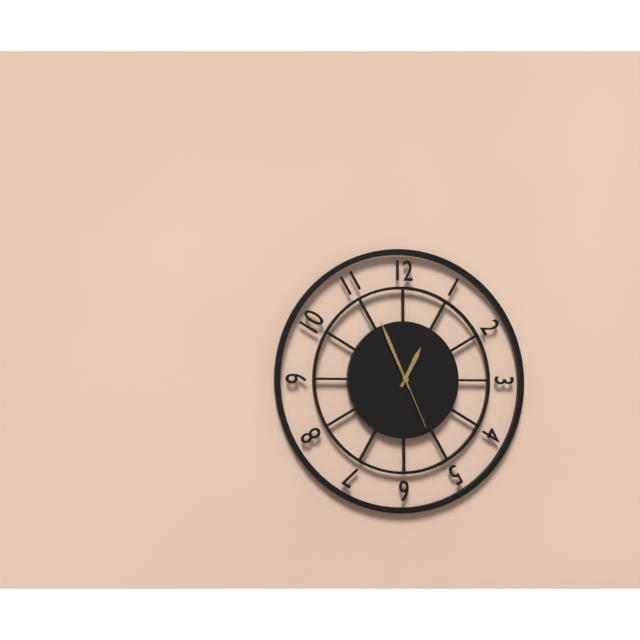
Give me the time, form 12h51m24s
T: 12h56m26s
